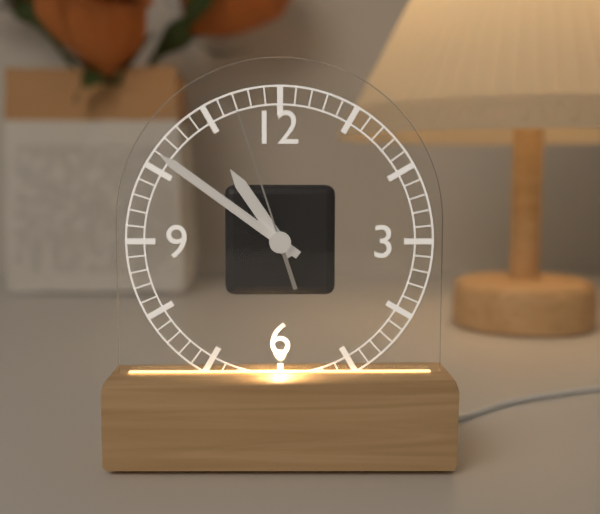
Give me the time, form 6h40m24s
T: 10h51m57s
